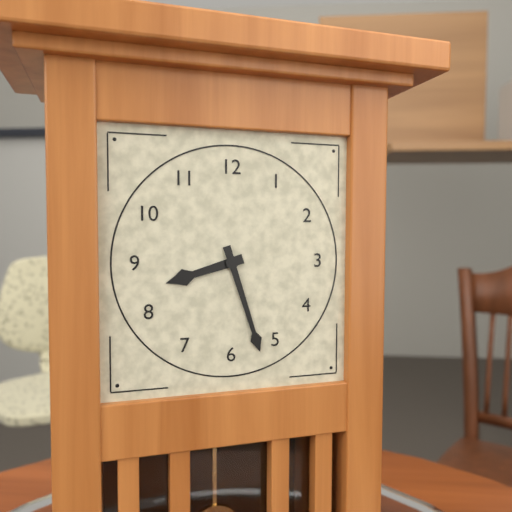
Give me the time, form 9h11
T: 8h27
